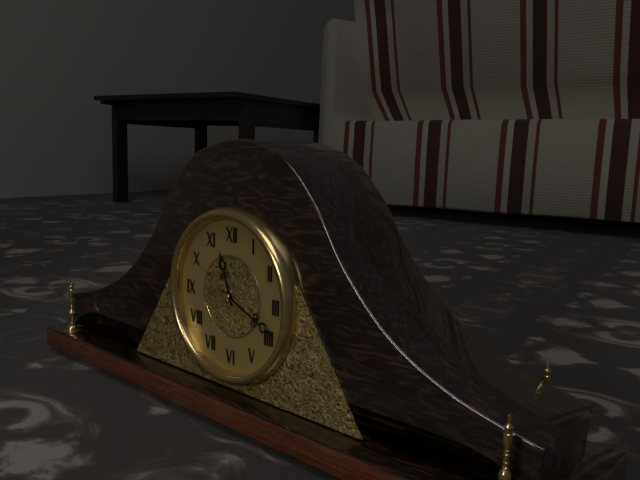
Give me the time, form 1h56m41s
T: 11h19m50s
